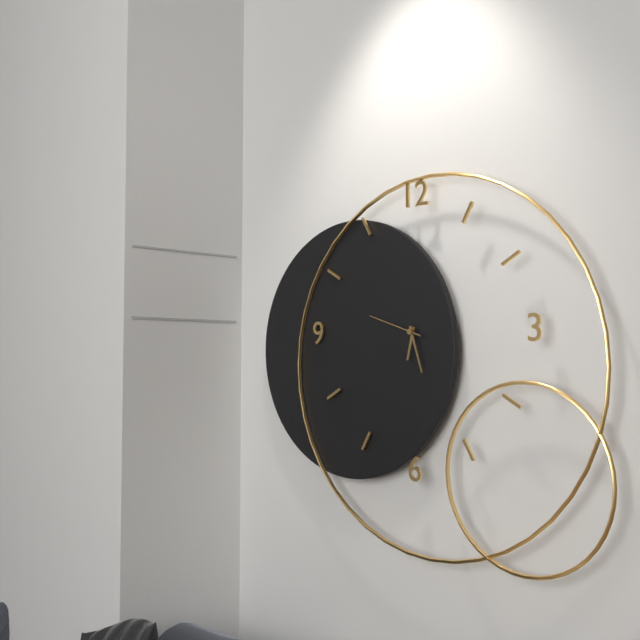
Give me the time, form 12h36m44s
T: 6h27m48s
